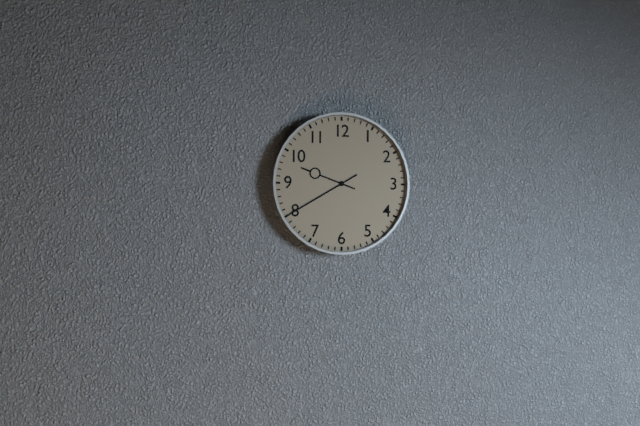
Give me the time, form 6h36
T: 9h40
